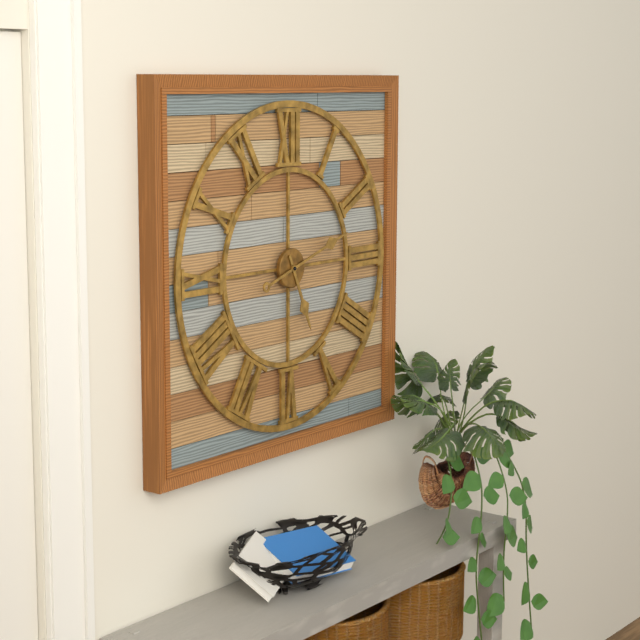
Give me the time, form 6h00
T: 5h12
